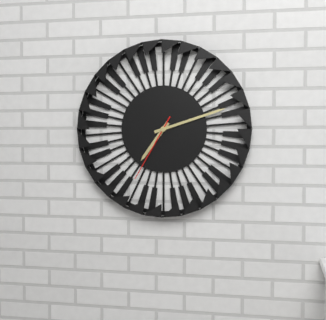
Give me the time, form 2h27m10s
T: 7h12m35s
